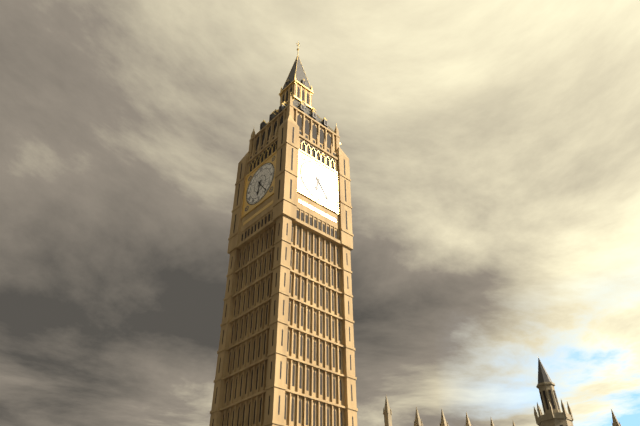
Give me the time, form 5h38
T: 6h24
